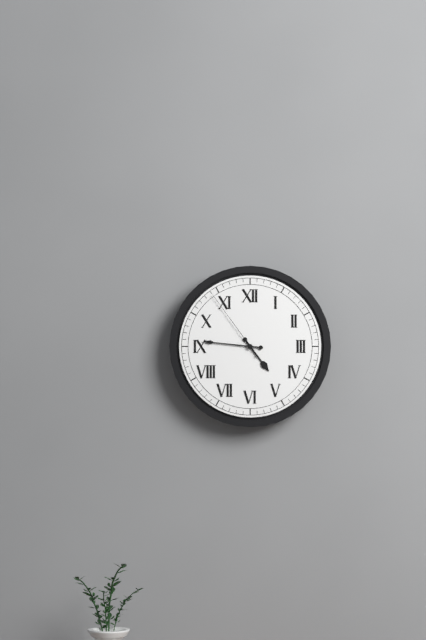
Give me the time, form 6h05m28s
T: 4h46m54s
